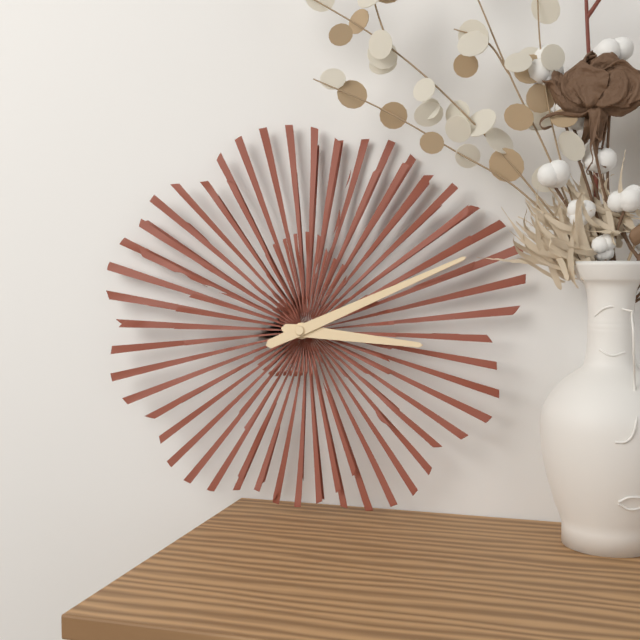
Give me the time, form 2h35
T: 3h11
